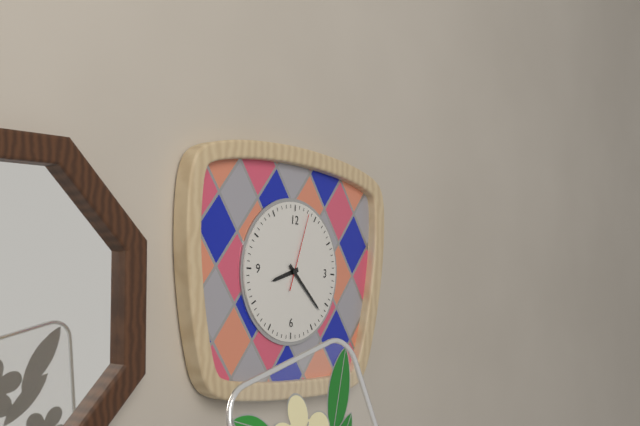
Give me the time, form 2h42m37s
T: 8h22m03s
